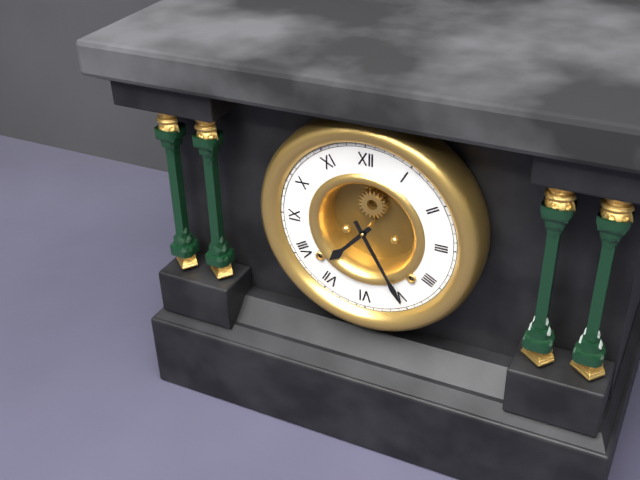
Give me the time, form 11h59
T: 7h25
